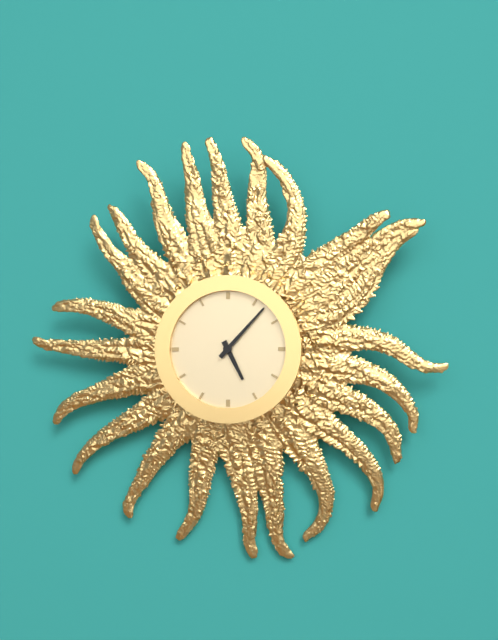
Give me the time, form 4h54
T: 5h07
